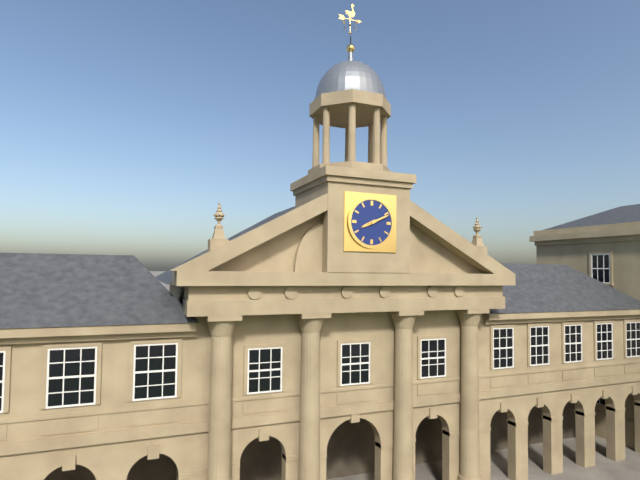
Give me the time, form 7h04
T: 8h11
